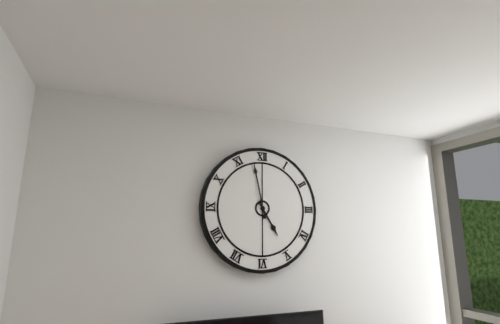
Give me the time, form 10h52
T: 4h58
